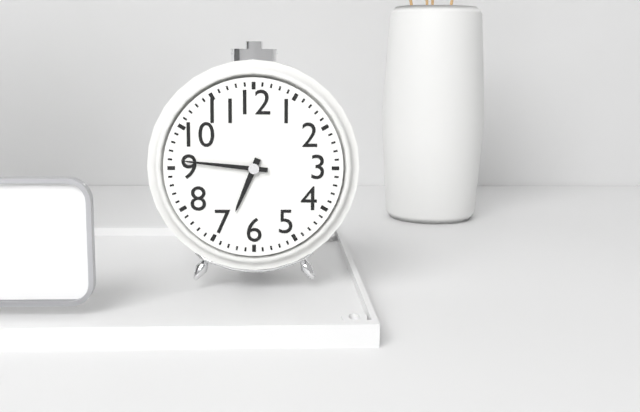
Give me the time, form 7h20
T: 6h46
